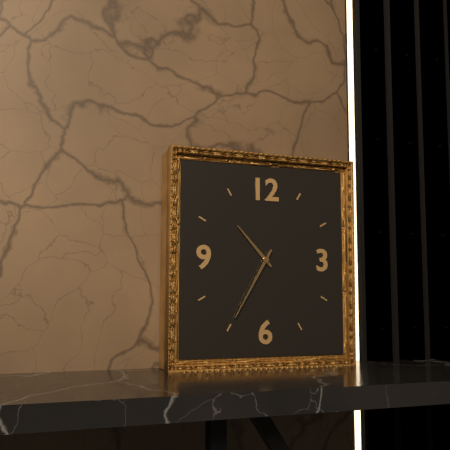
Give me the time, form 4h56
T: 10h35
